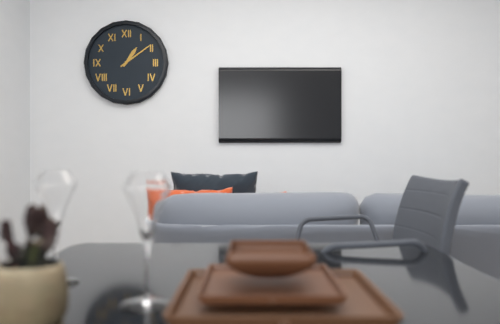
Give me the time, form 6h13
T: 1h09
